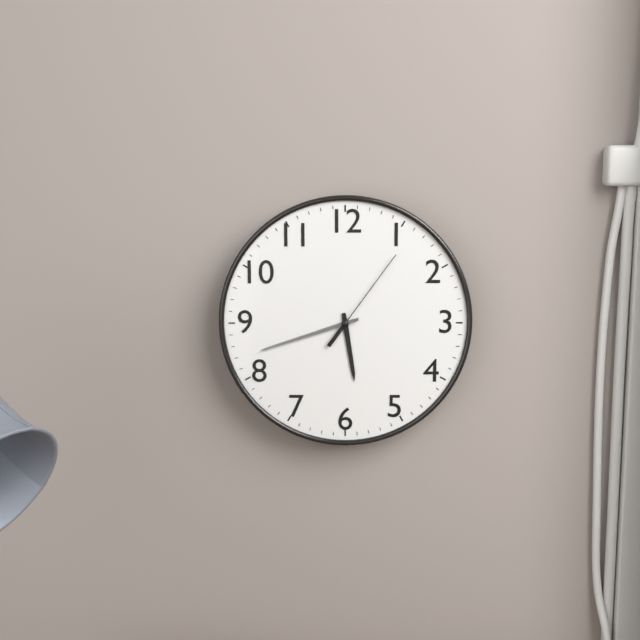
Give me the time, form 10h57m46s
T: 5h42m06s
